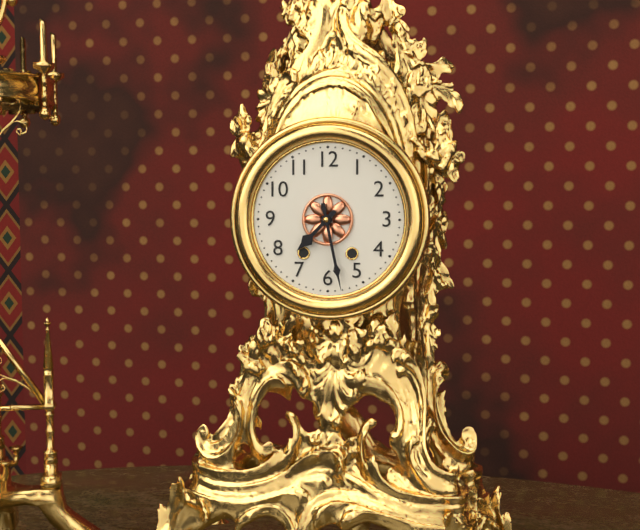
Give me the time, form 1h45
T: 7h28
